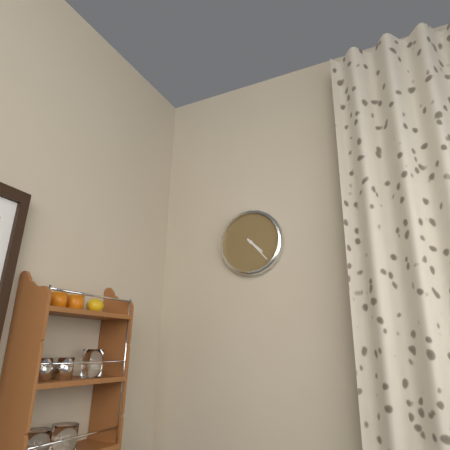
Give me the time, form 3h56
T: 4h23
